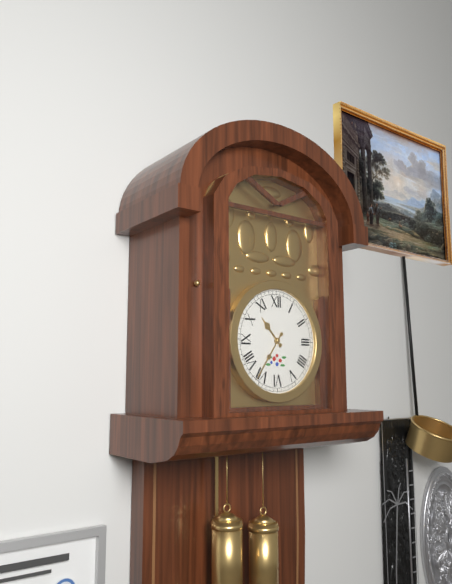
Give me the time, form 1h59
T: 10h36
